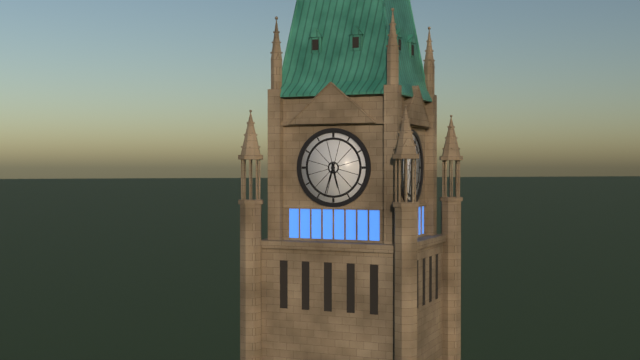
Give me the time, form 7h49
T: 5h33
